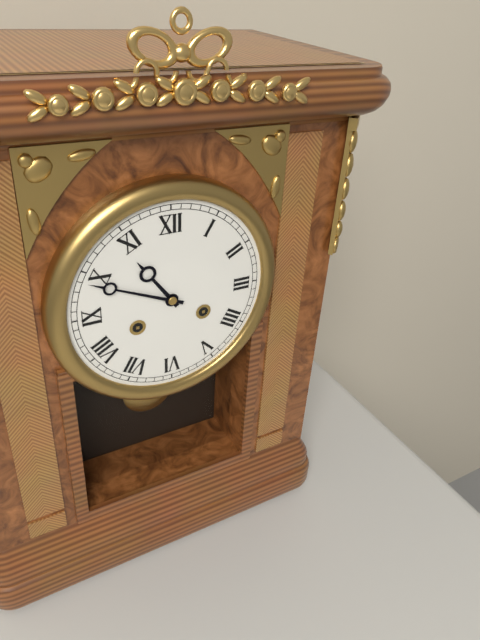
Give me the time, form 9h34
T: 10h49
